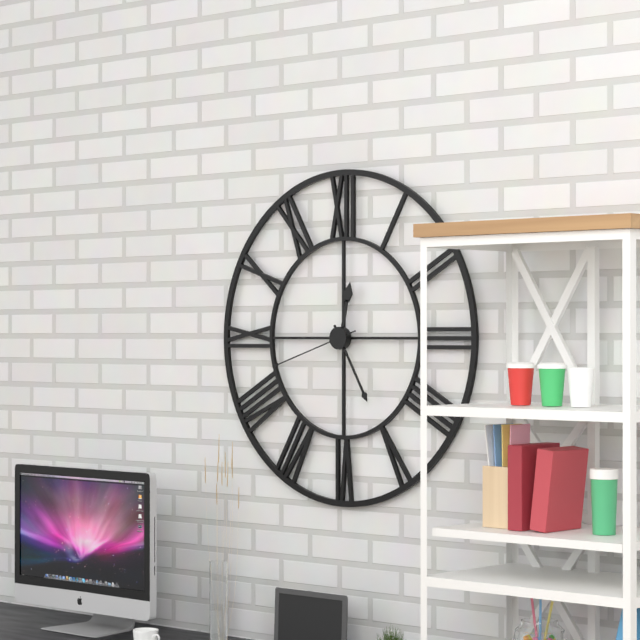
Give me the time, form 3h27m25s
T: 12h25m42s
